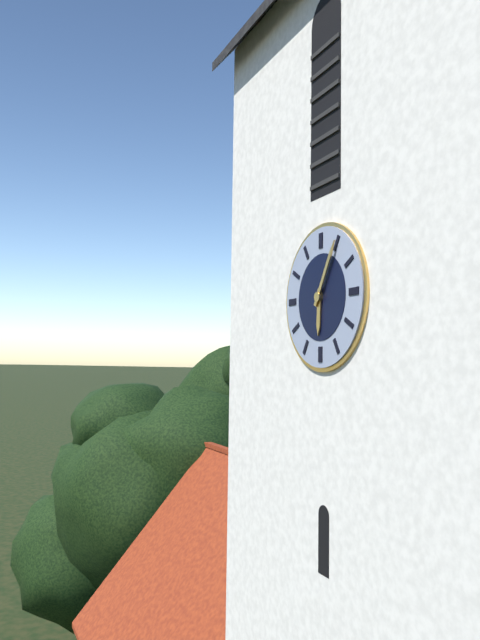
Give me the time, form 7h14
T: 6h05
